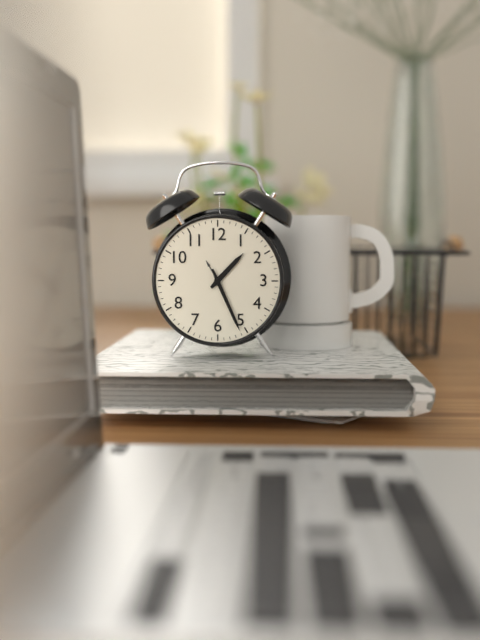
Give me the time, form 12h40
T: 1h26
